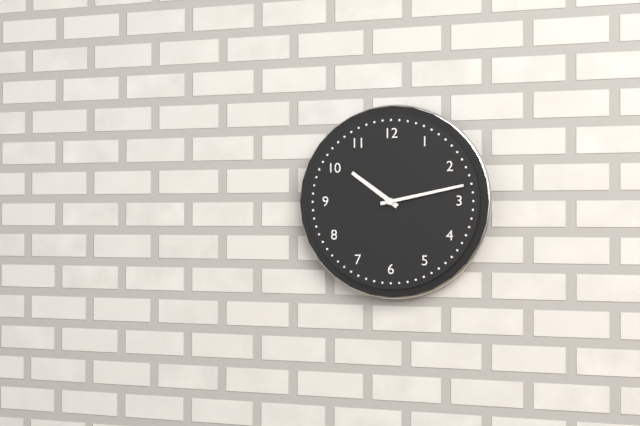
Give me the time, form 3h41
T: 10h13
